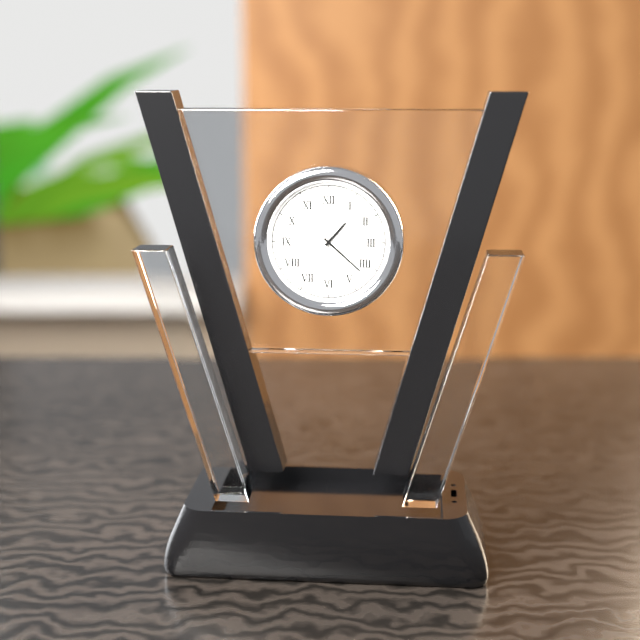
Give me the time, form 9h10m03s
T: 1h22m30s
